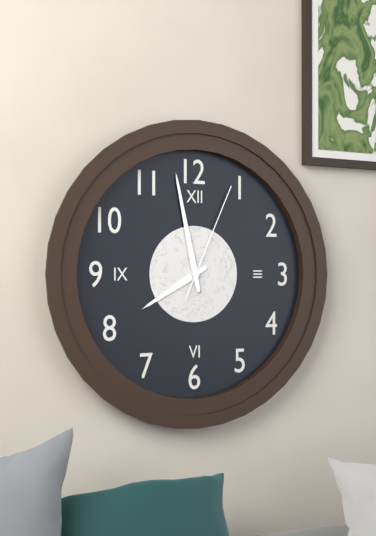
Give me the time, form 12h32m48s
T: 7h58m04s
